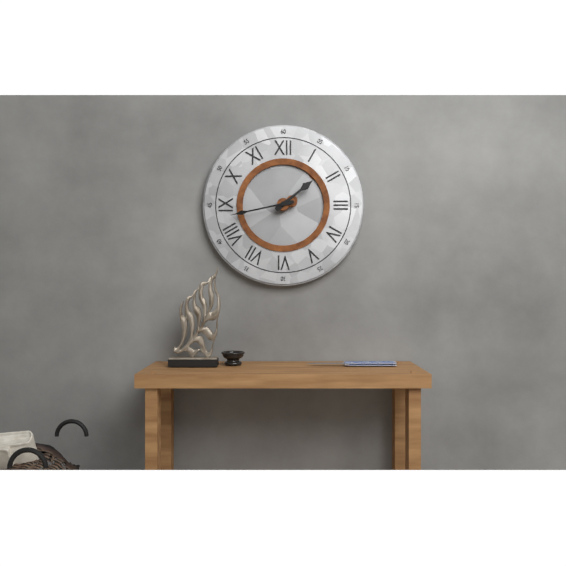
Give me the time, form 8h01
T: 1h43
